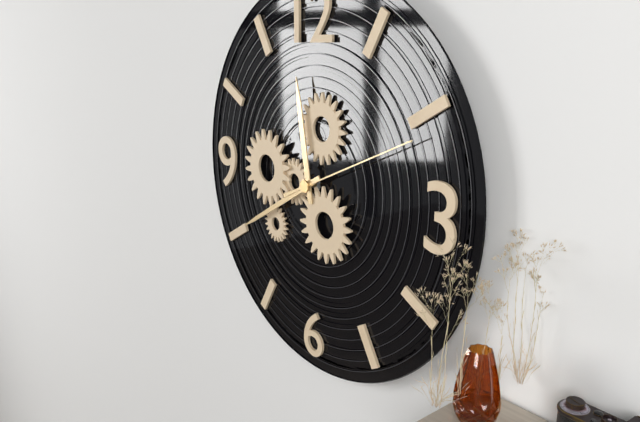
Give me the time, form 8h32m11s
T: 11h40m11s
